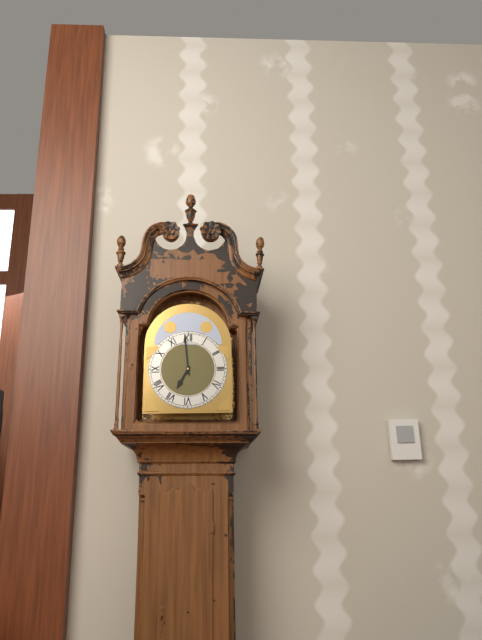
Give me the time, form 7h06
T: 6h59
